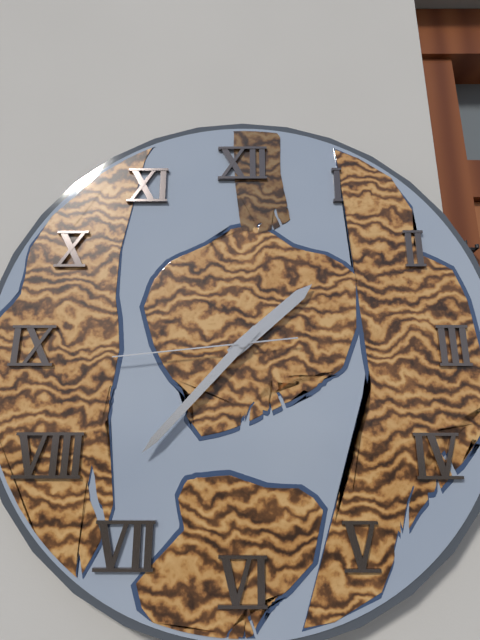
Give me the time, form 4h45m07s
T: 1h37m44s
